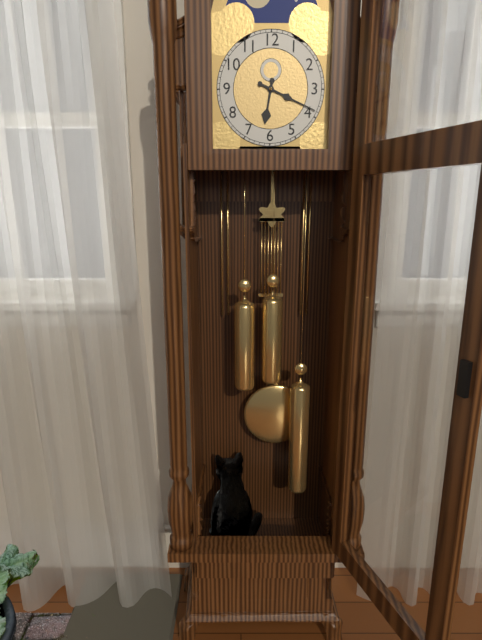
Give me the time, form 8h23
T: 6h19
